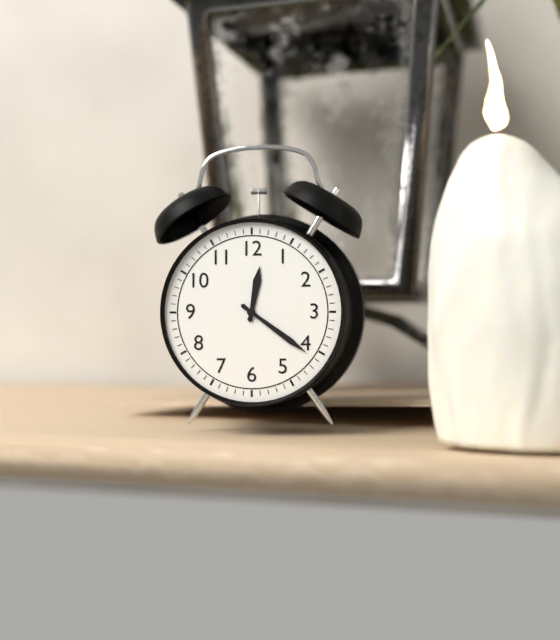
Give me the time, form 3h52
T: 12h21
